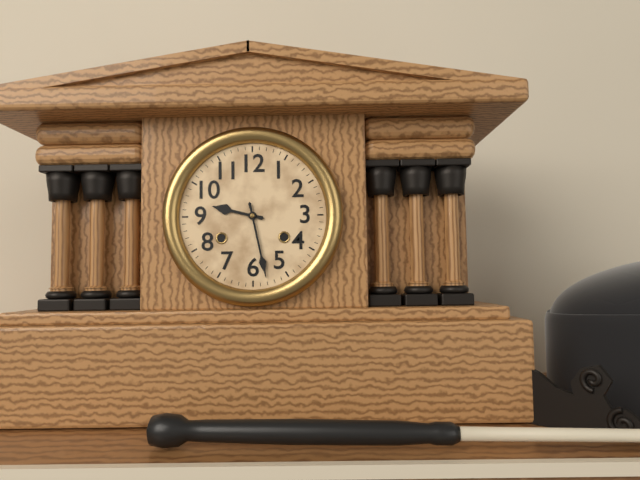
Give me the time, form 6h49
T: 9h28
